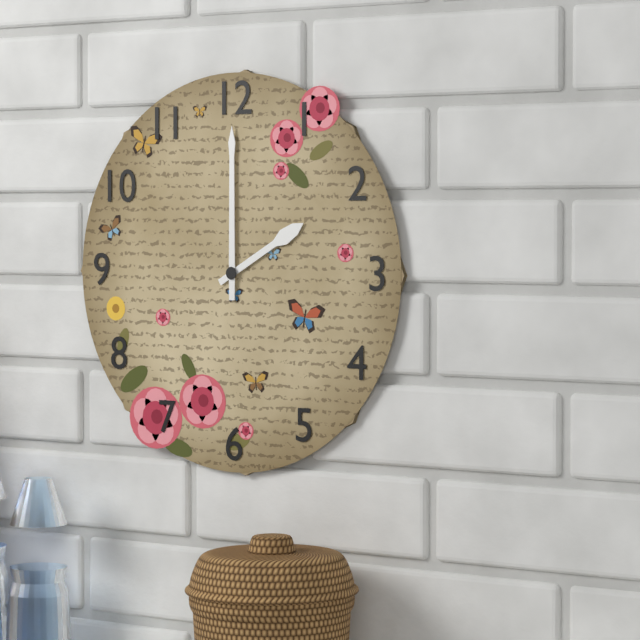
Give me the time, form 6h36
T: 2h00
